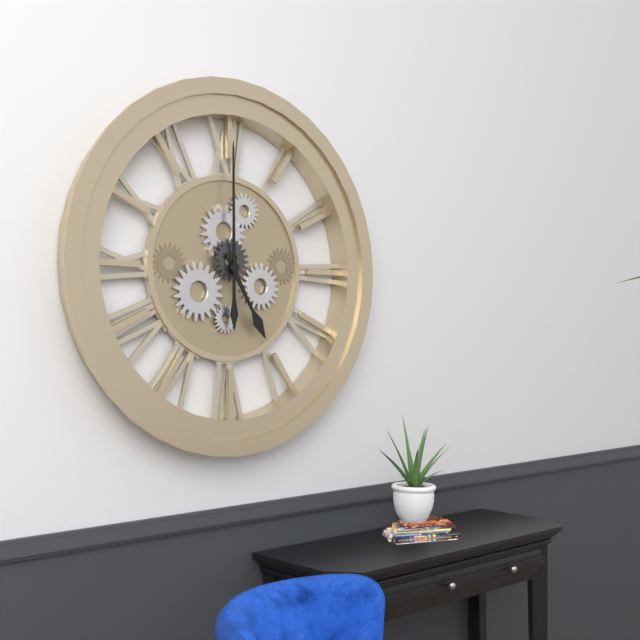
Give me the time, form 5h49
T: 5h00
